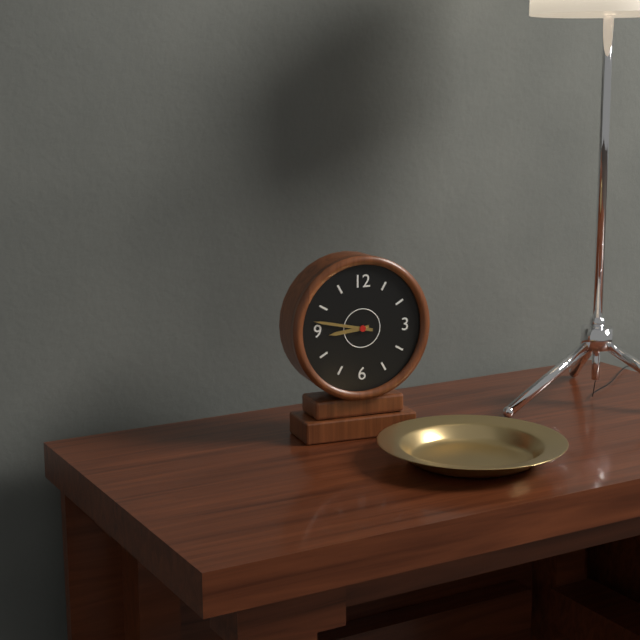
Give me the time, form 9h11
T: 8h47
